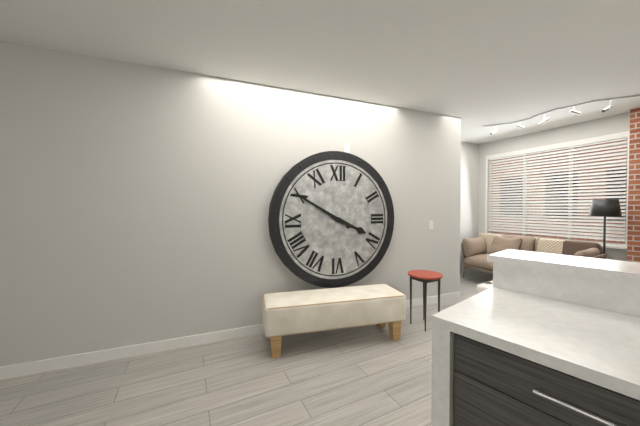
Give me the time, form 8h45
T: 3h50
